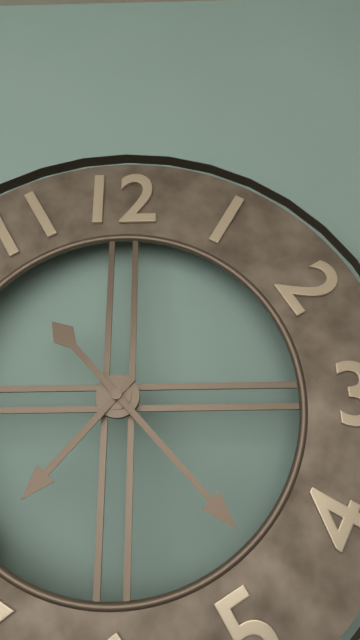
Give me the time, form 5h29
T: 7h23
